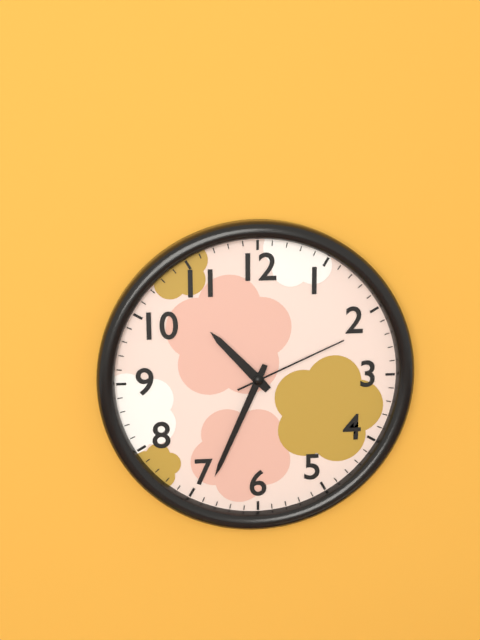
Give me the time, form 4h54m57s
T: 10h34m11s
